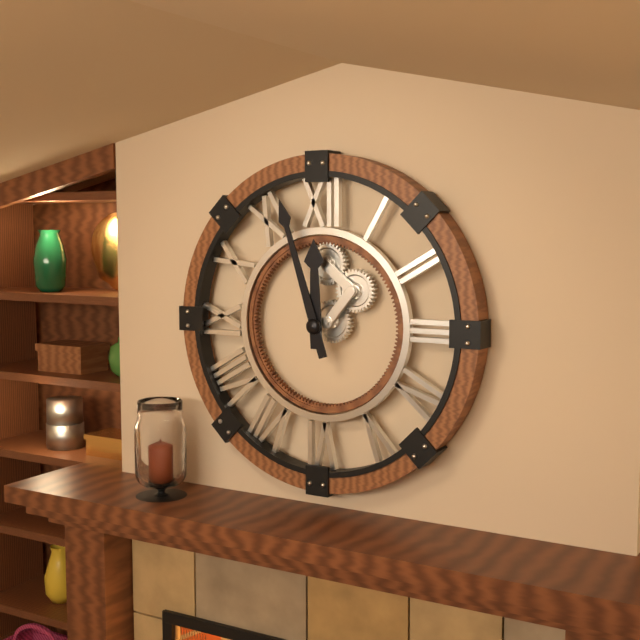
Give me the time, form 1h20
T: 11h57
